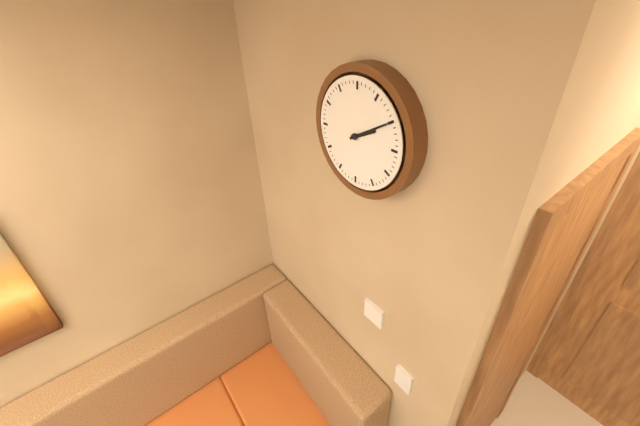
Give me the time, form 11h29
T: 2h10
